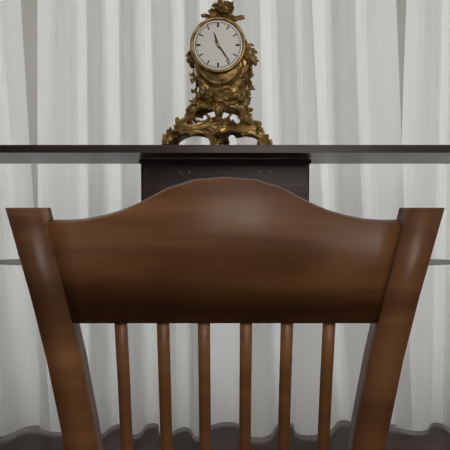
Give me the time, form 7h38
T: 11h24
